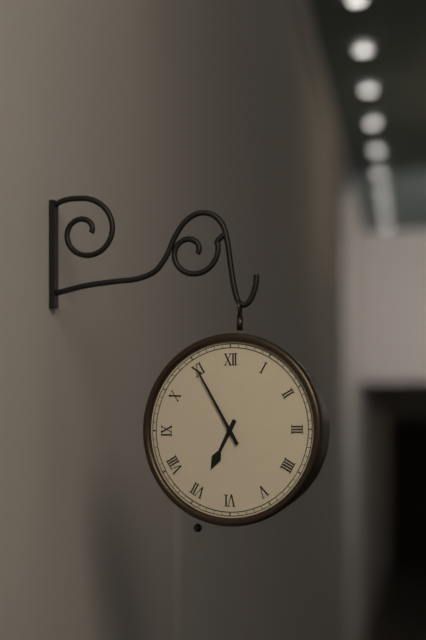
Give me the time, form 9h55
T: 6h55
